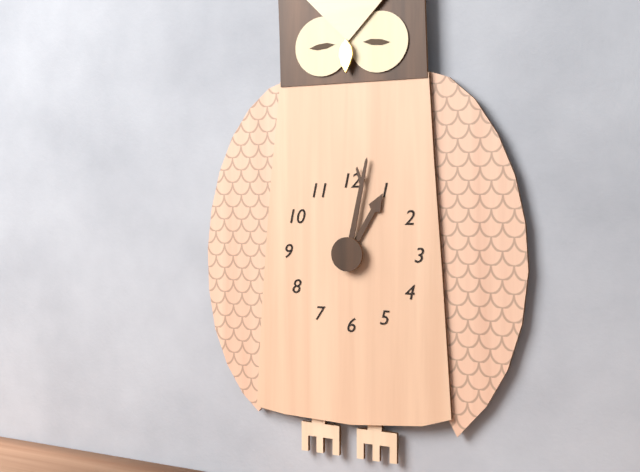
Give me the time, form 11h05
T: 1h02
